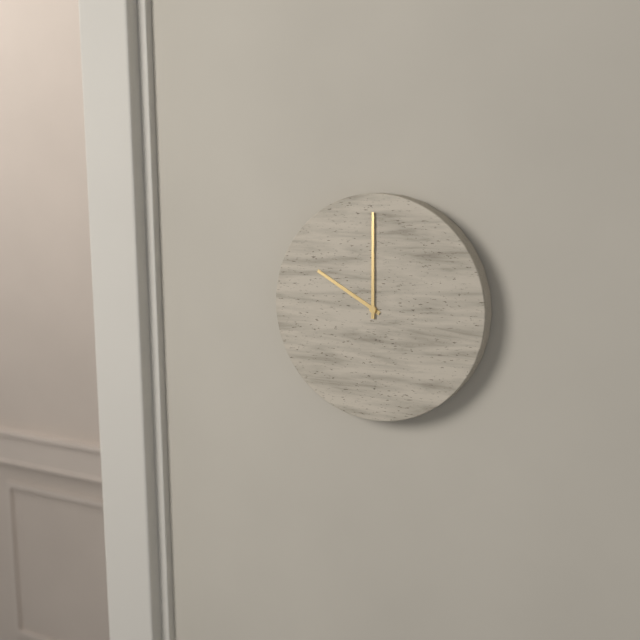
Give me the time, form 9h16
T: 10h00
